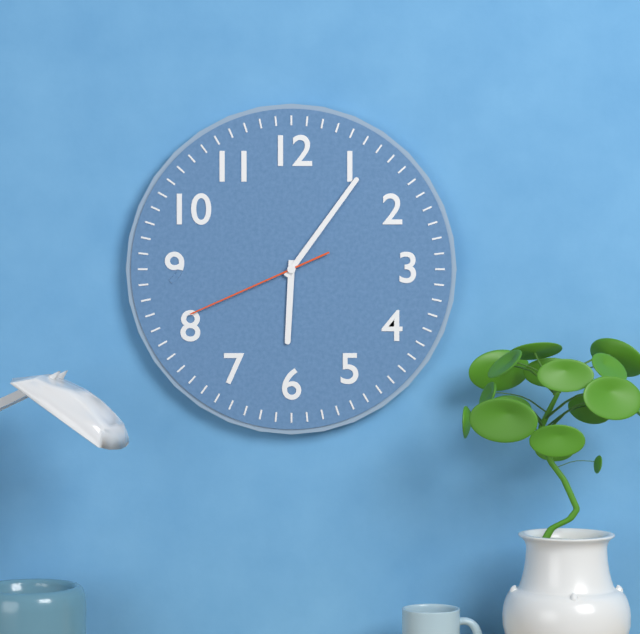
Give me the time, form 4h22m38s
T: 6h06m41s
